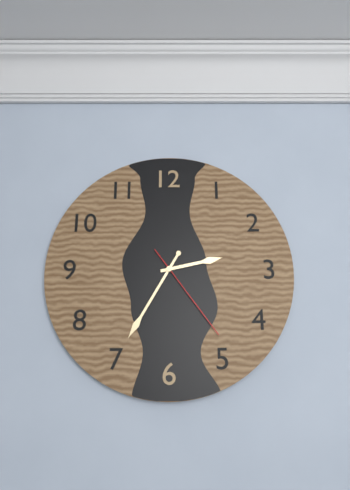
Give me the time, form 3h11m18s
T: 2h35m24s
